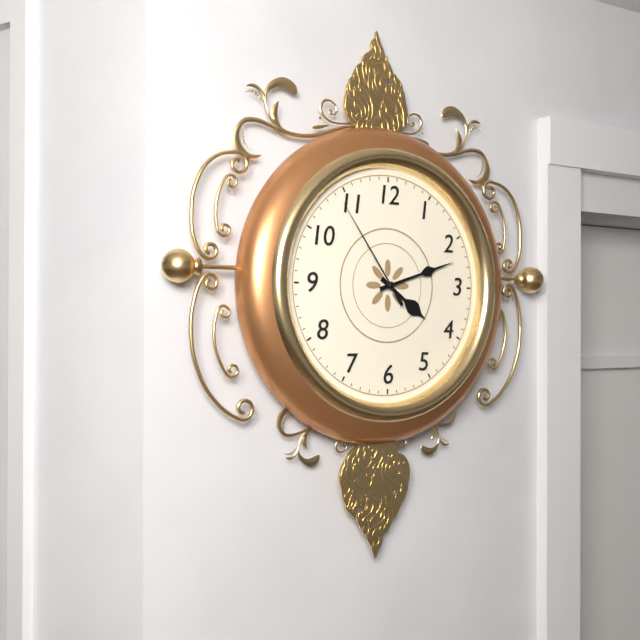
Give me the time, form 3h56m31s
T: 4h12m54s
